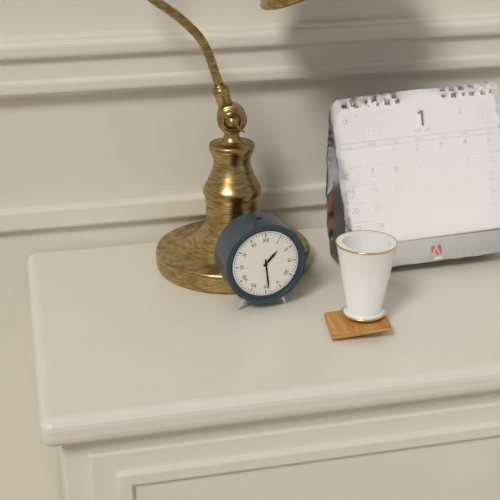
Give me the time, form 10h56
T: 1h29
